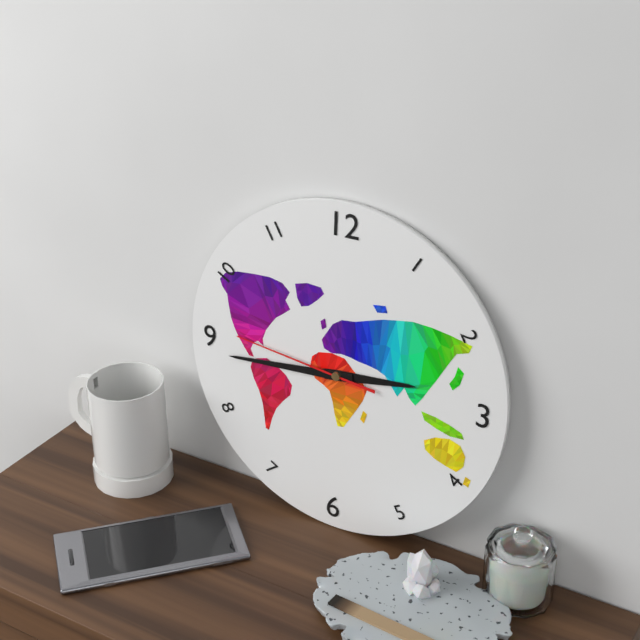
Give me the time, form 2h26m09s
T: 2h44m46s
